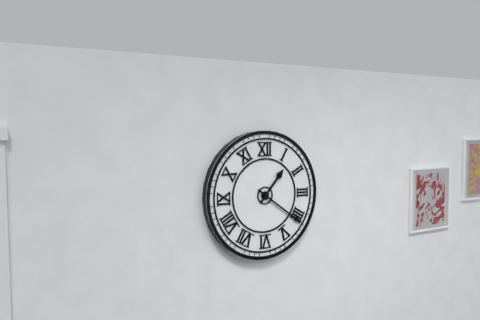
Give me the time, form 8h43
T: 1h21
